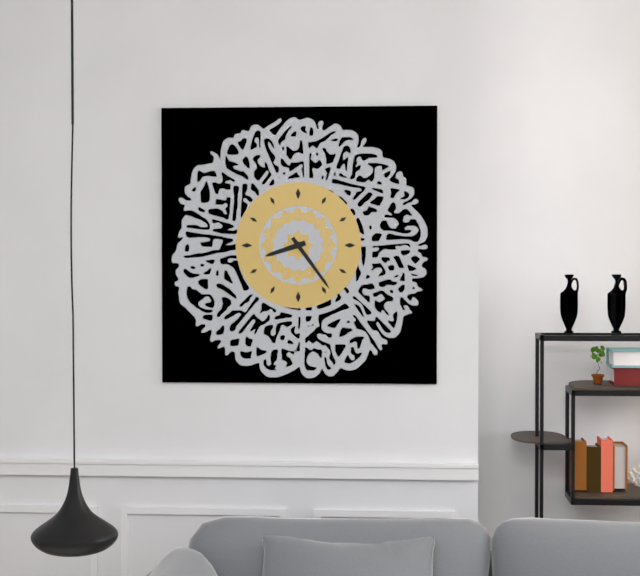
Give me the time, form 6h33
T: 8h24
